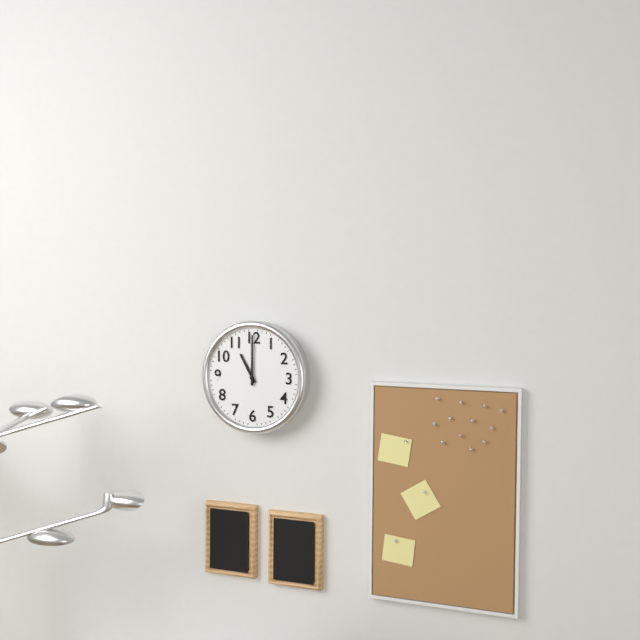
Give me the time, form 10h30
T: 11h00
